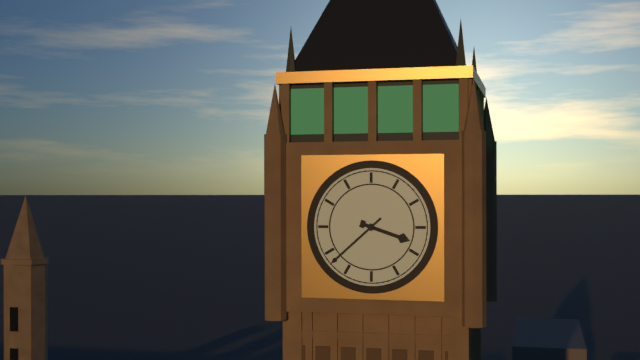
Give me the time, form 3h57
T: 3h38
